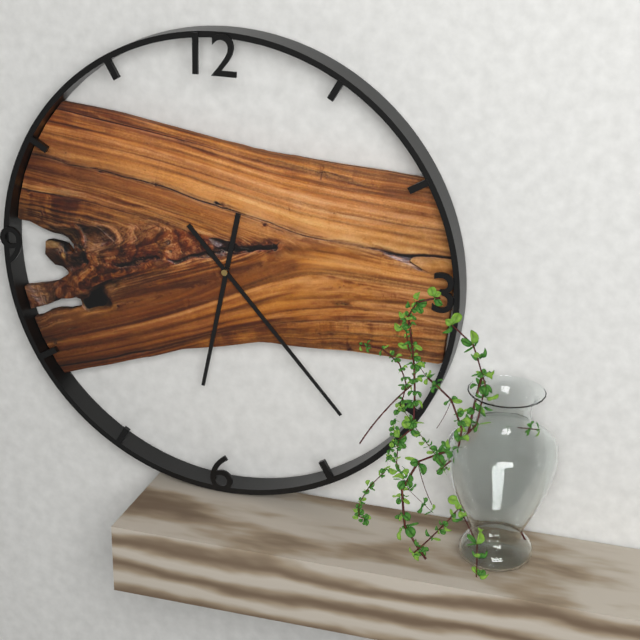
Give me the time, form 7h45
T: 6h23
